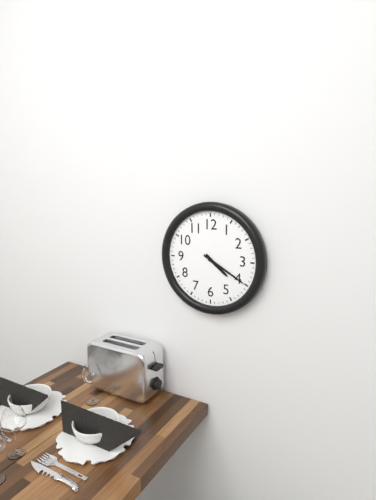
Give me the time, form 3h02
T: 4h20
